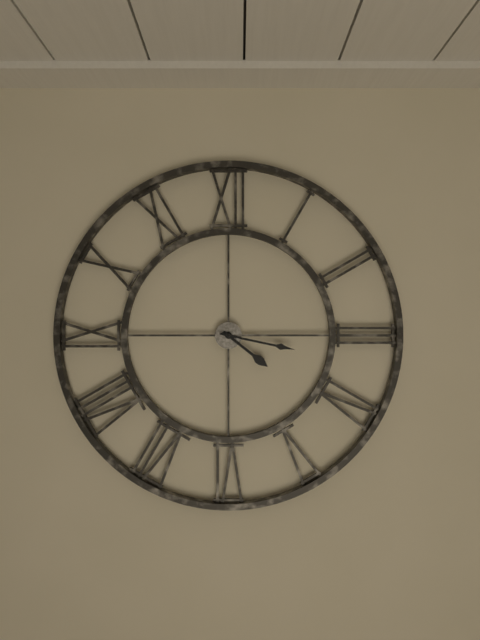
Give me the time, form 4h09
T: 4h17
